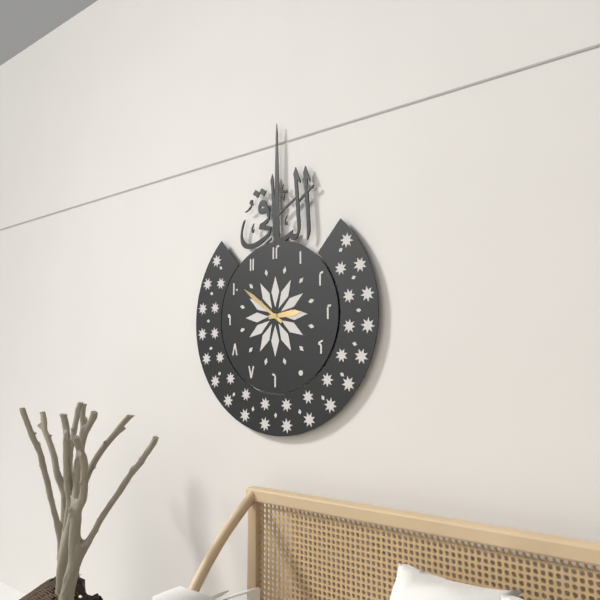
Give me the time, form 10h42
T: 2h51
